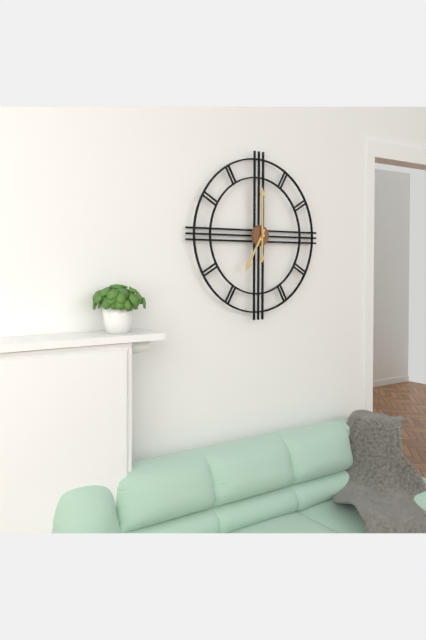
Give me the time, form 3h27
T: 7h00
